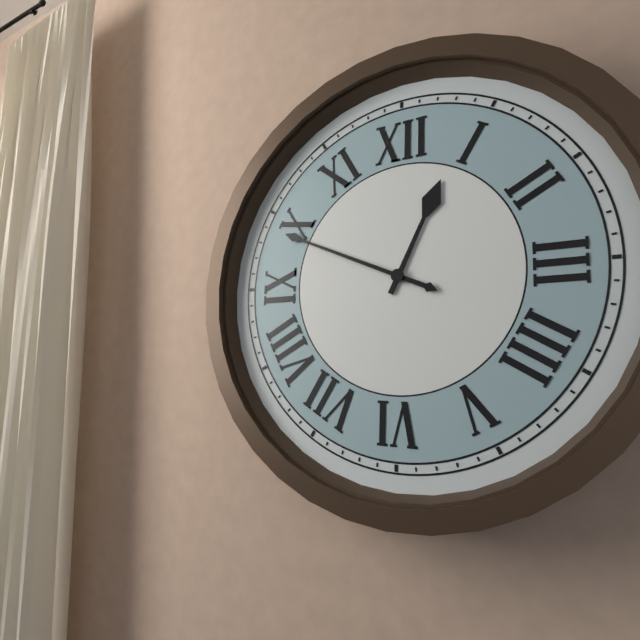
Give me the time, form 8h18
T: 12h49
